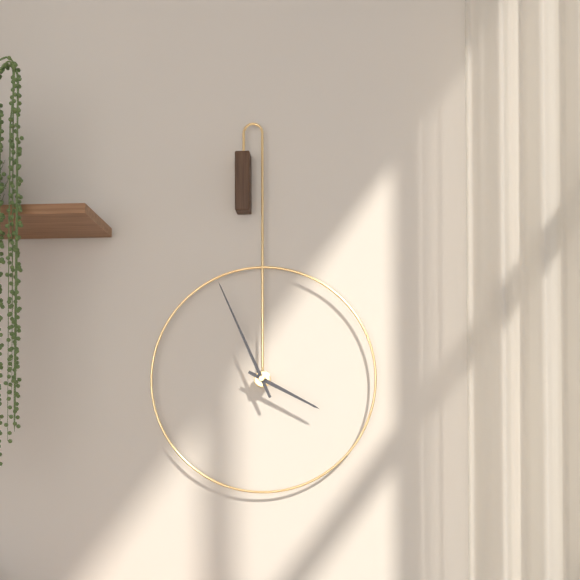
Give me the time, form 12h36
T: 3h56
